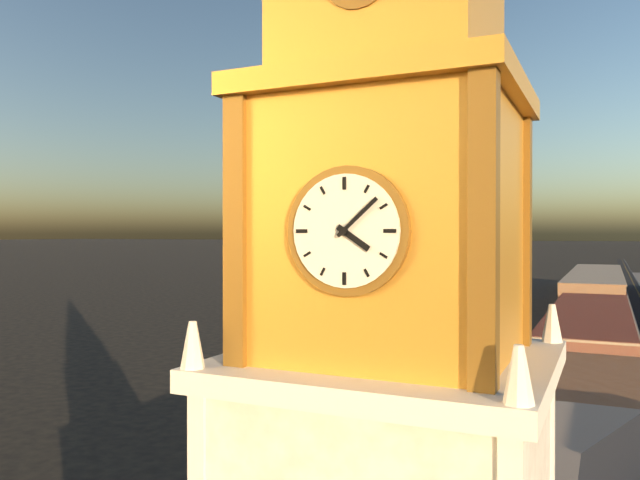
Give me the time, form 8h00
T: 4h08
